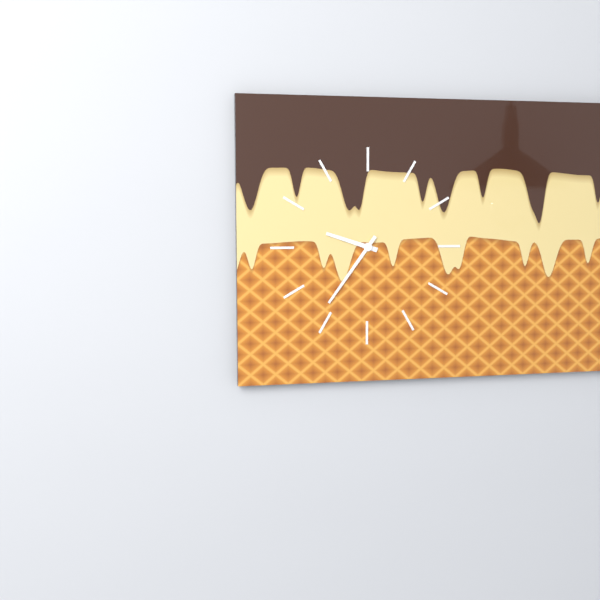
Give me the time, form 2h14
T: 9h36
